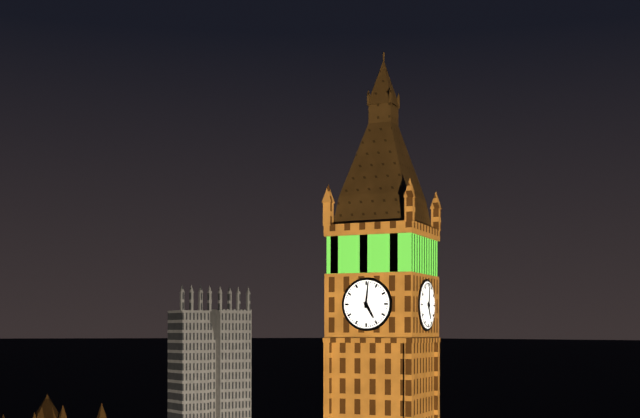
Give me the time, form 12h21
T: 5h01
